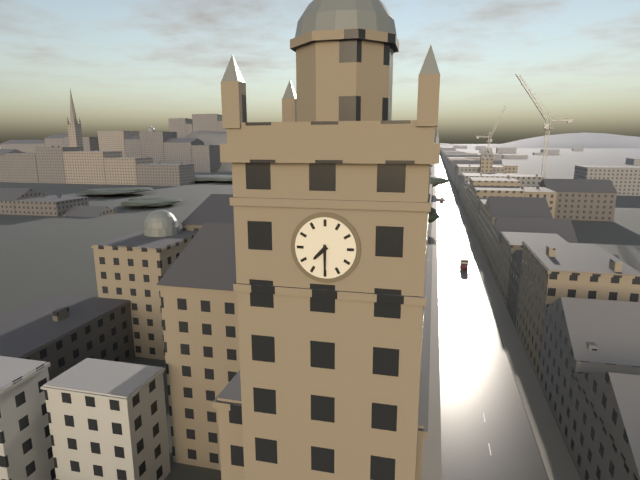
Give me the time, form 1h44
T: 7h30
